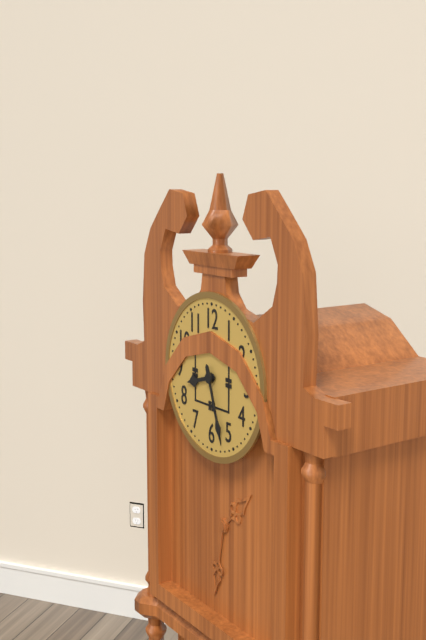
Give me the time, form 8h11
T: 8h27
